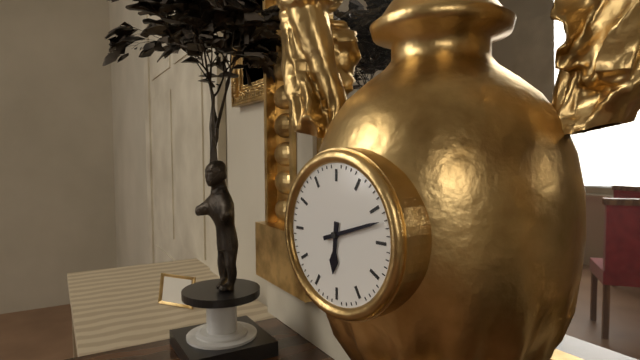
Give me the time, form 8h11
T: 6h12
